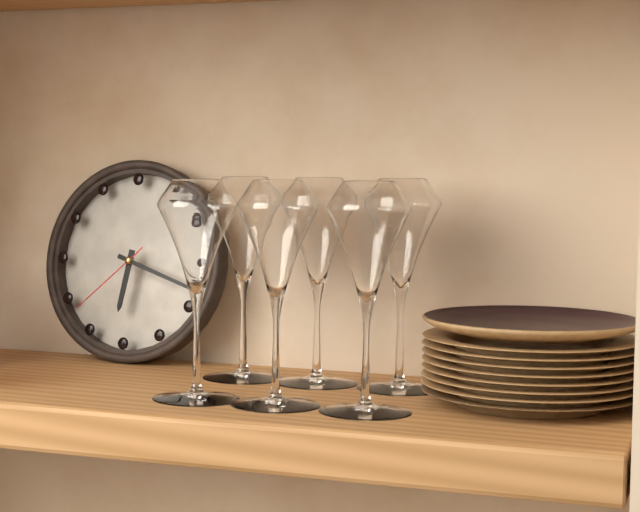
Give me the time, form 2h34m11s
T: 6h18m38s
